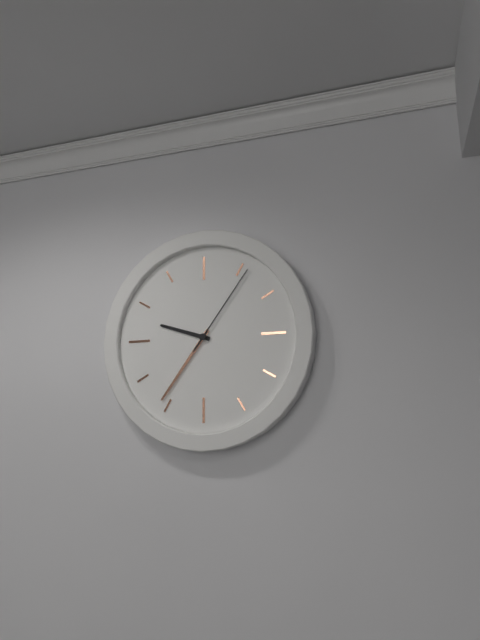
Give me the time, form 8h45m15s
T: 9h36m06s
